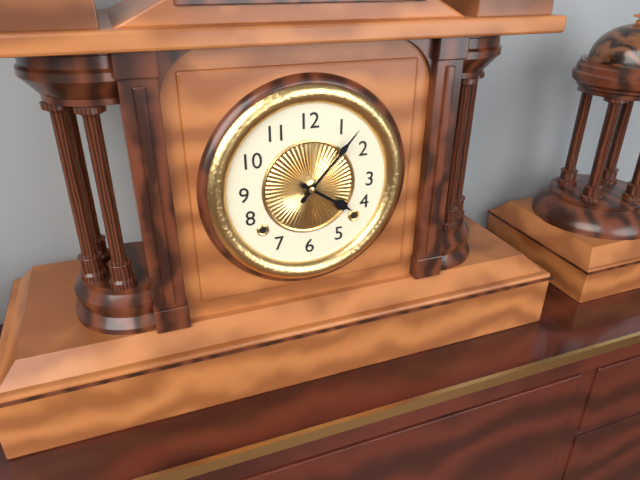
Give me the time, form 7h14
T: 4h07
